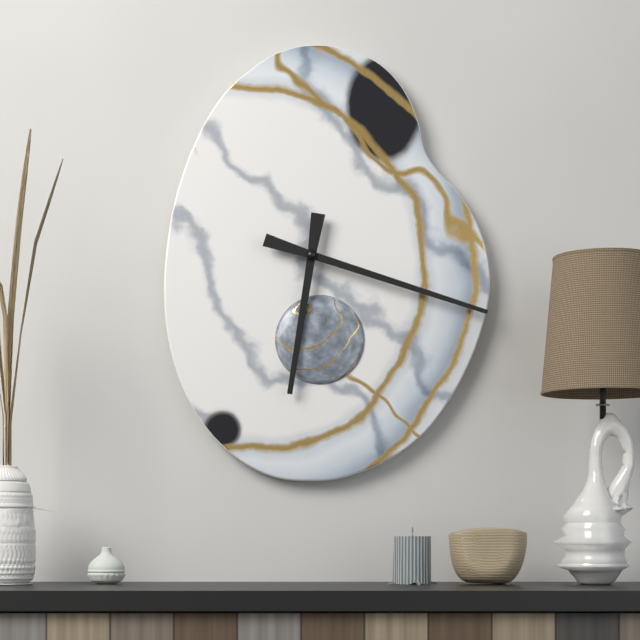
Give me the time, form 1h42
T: 6h18
